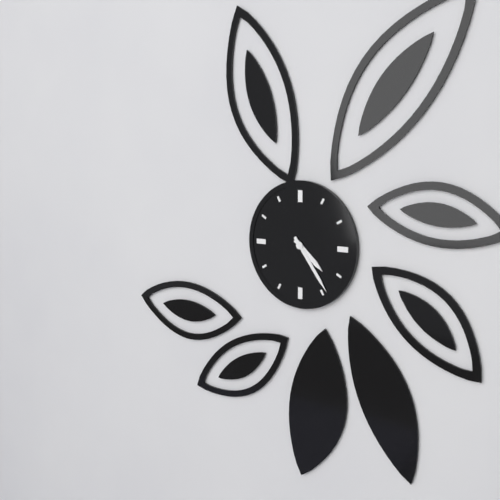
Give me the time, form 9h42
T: 4h24
